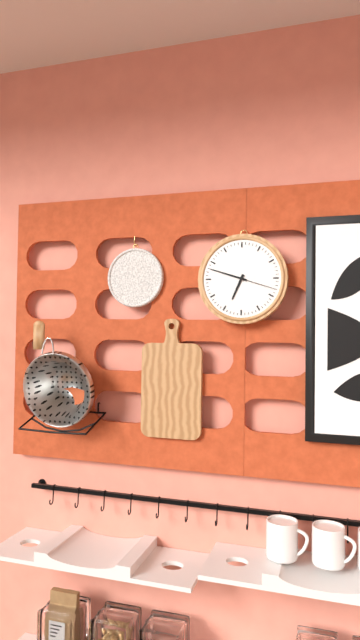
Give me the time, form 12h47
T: 6h48
